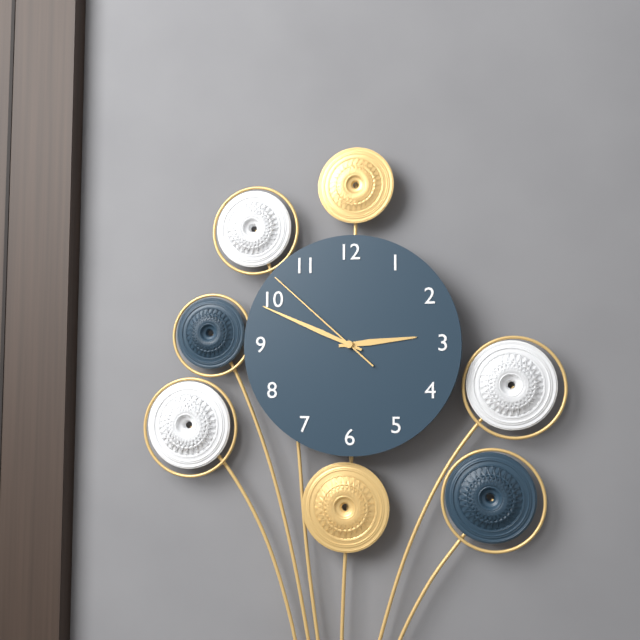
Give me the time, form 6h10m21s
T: 2h49m52s
